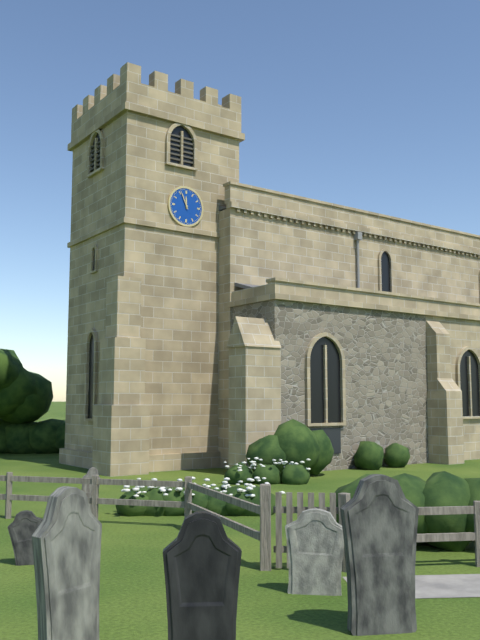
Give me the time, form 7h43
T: 11h56
